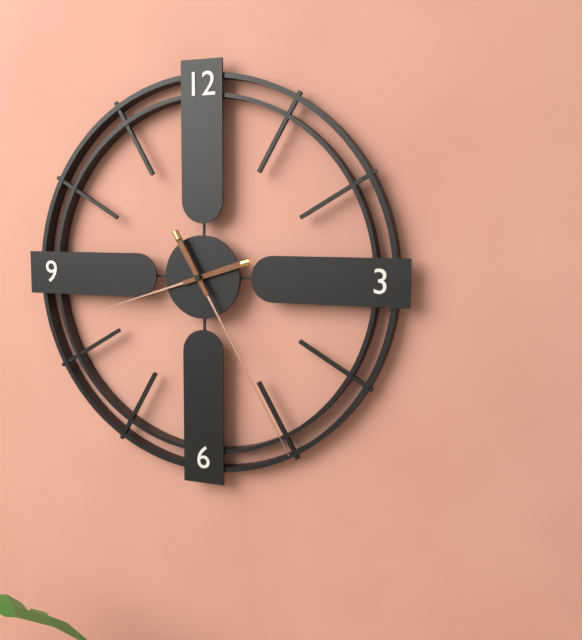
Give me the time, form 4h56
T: 8h25
